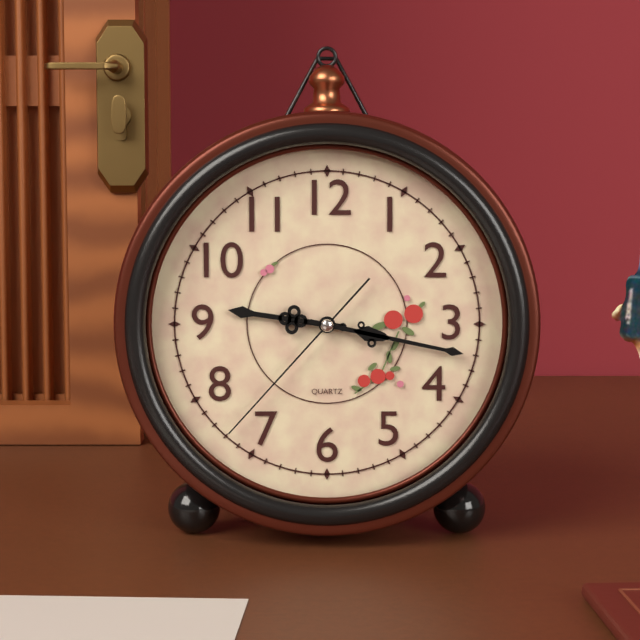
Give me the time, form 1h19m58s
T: 9h17m37s
